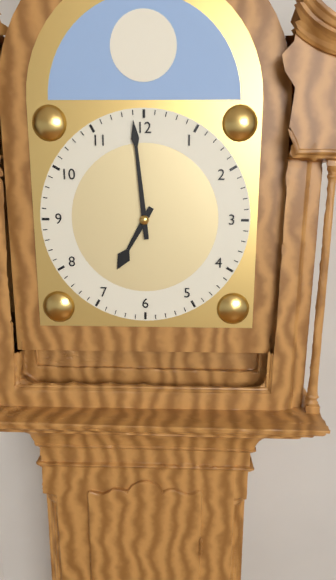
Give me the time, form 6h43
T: 6h59
